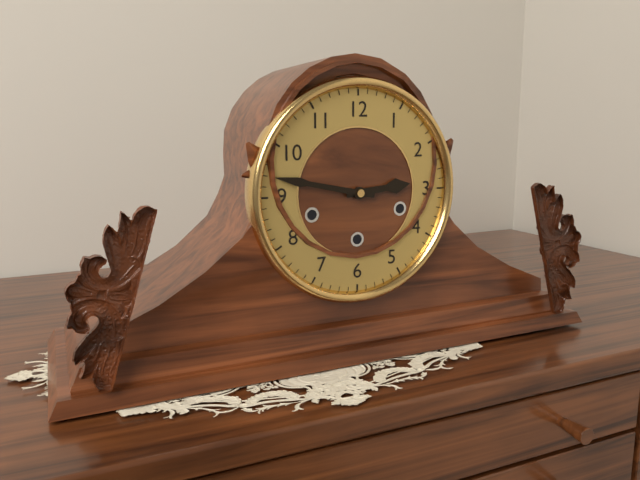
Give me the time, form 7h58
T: 2h47
